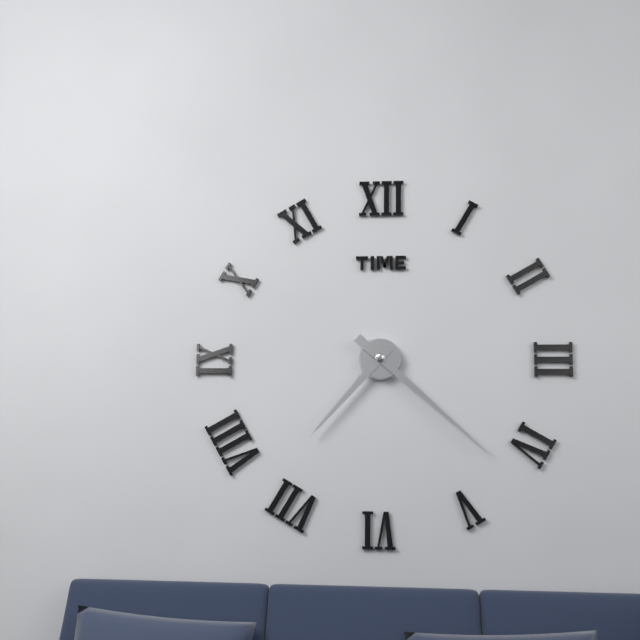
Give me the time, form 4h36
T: 7h22
